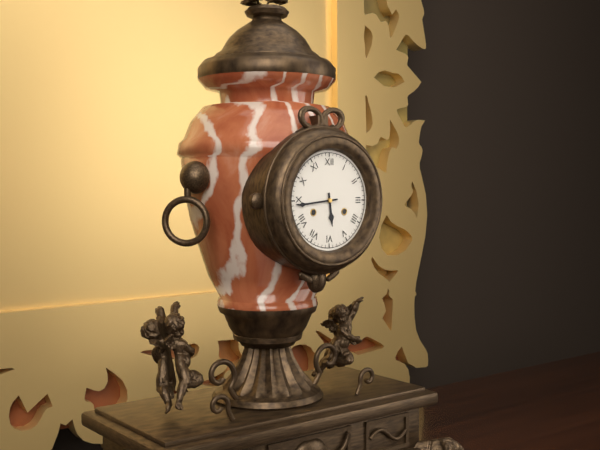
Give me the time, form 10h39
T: 5h44
